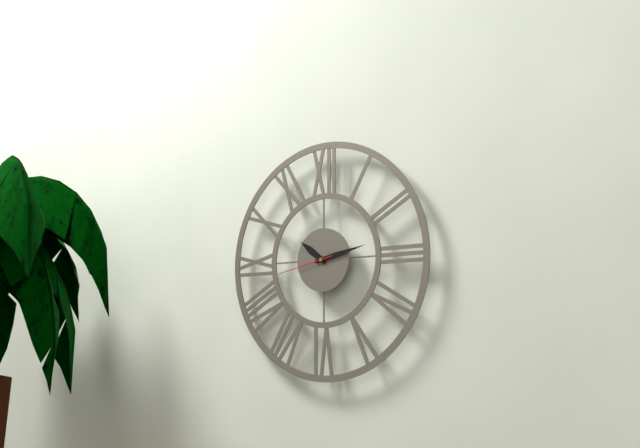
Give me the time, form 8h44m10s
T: 10h13m43s
